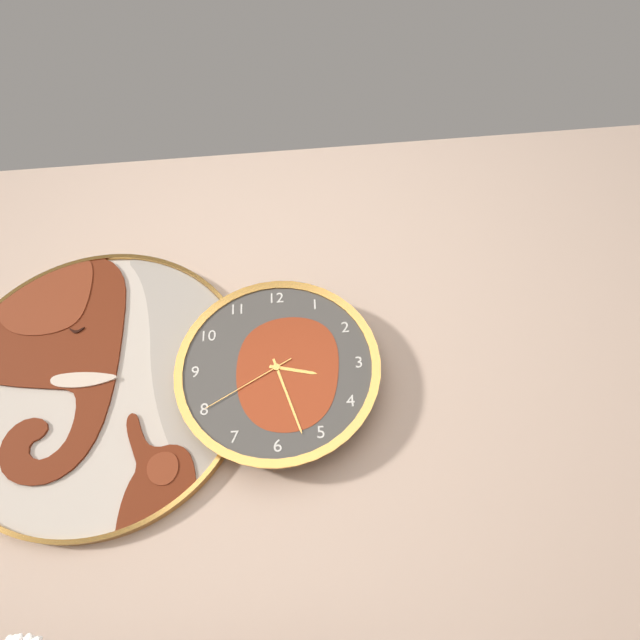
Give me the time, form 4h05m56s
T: 3h27m40s
